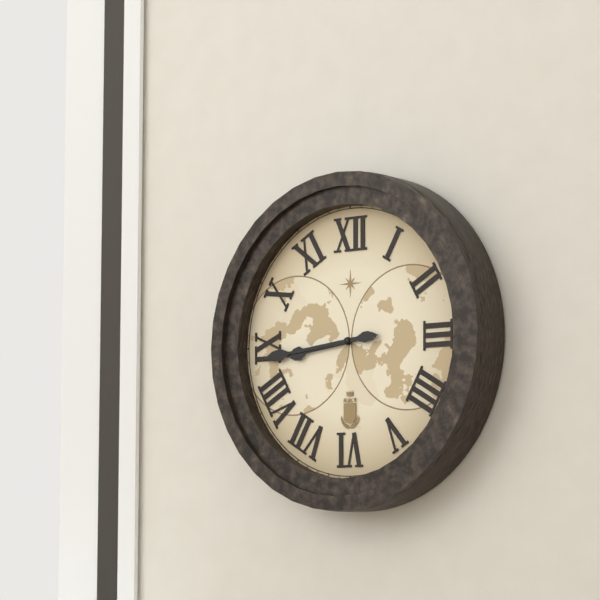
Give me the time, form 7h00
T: 8h44
